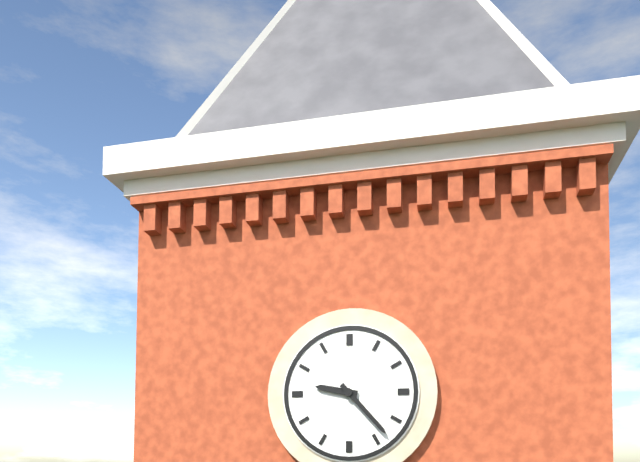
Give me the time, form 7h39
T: 9h23
